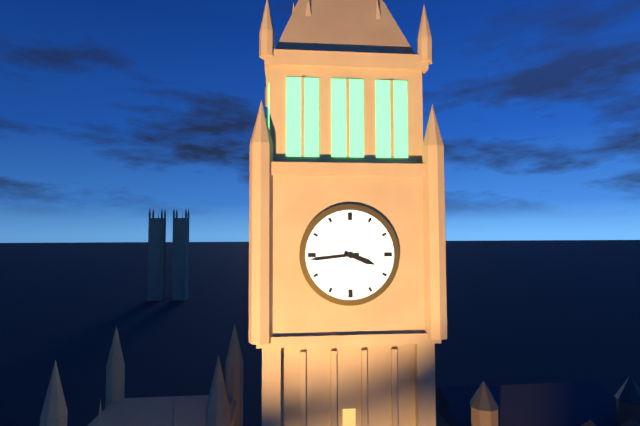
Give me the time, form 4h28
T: 3h44
